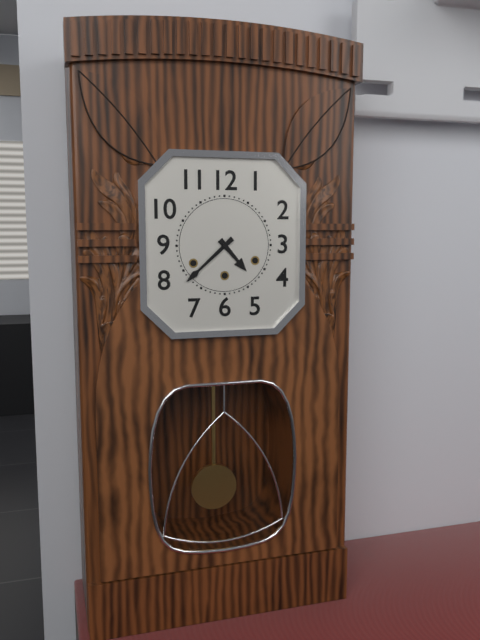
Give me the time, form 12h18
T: 4h38
